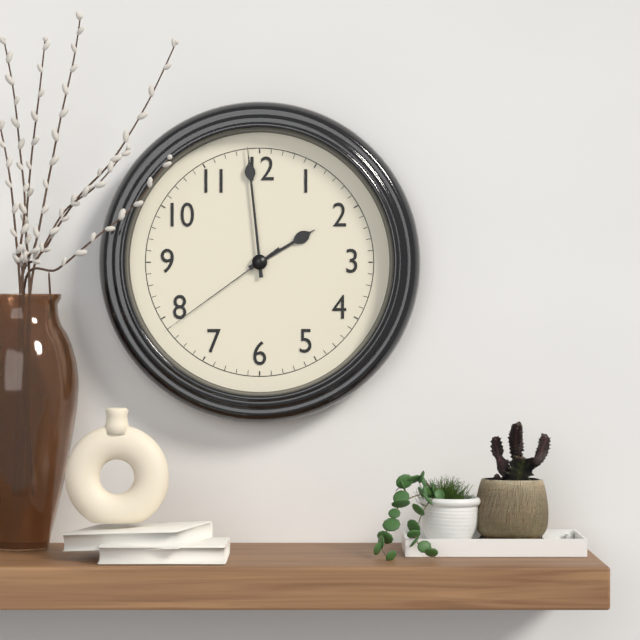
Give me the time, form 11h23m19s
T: 1h59m39s
